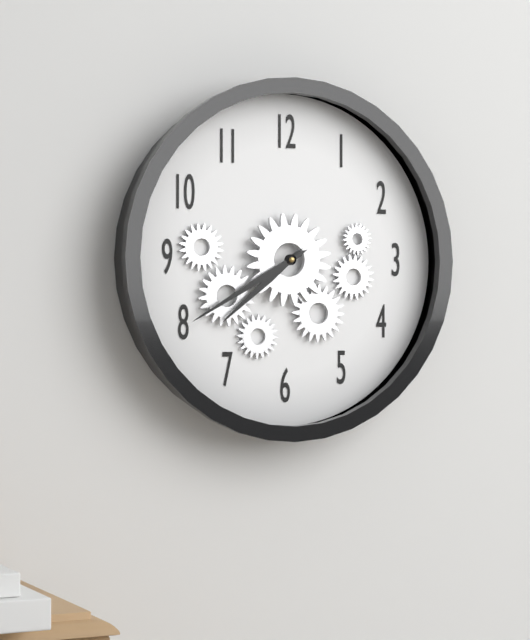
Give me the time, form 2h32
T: 7h40
